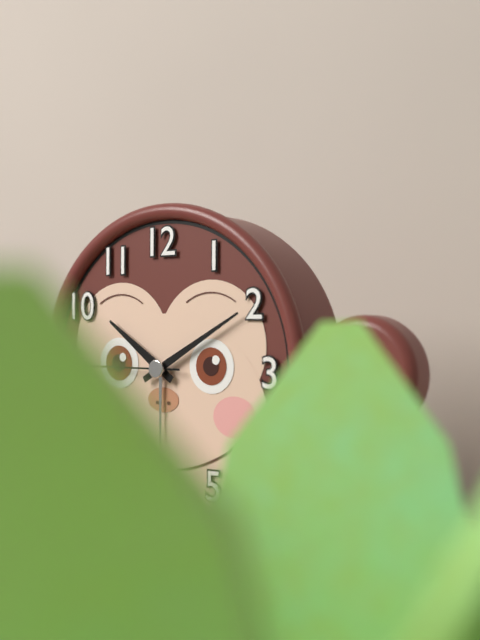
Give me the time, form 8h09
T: 10h10
